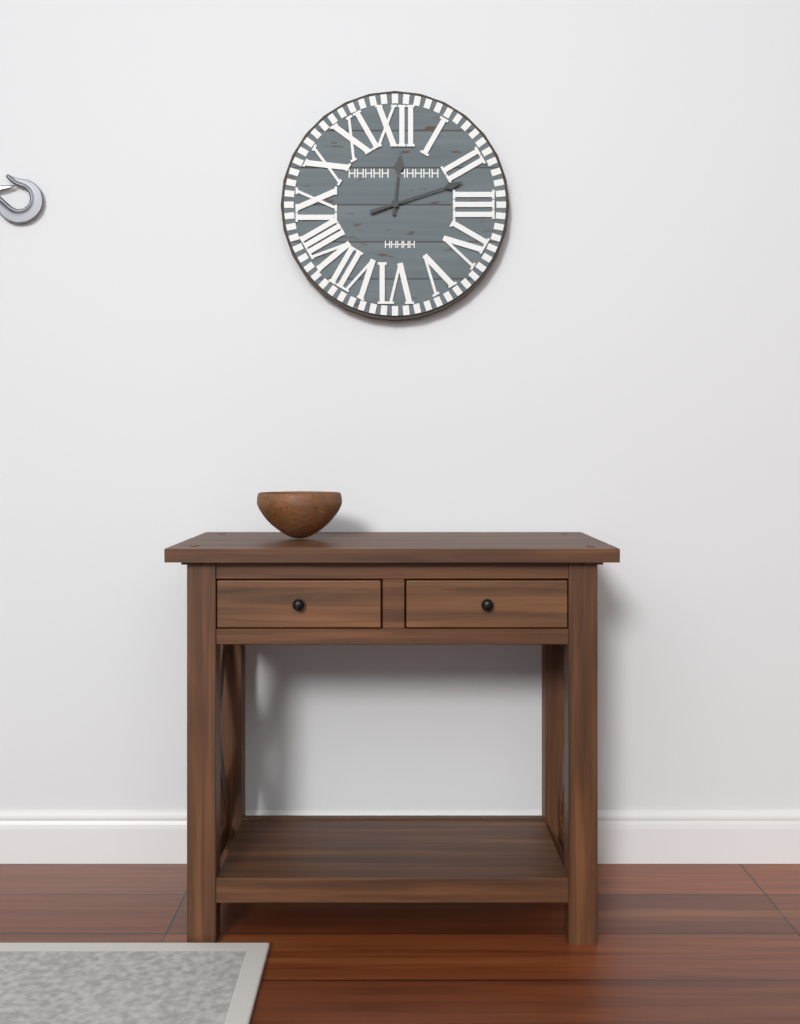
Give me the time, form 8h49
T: 12h12
